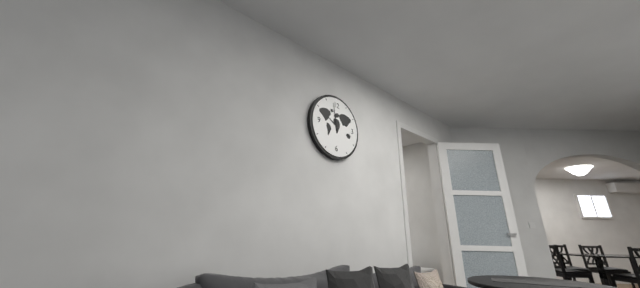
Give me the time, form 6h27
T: 9h58
